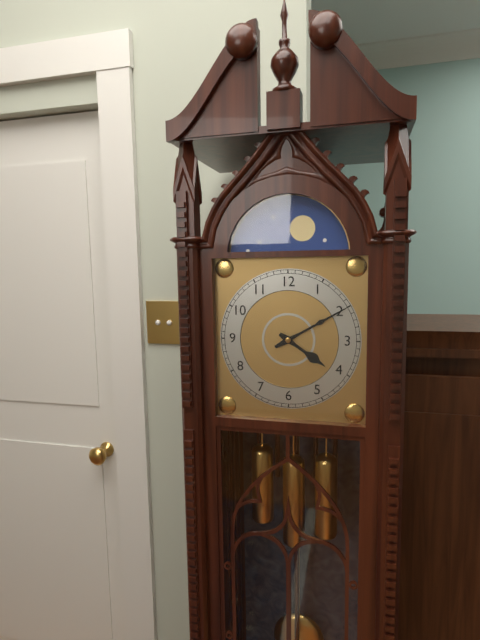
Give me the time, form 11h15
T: 4h10
